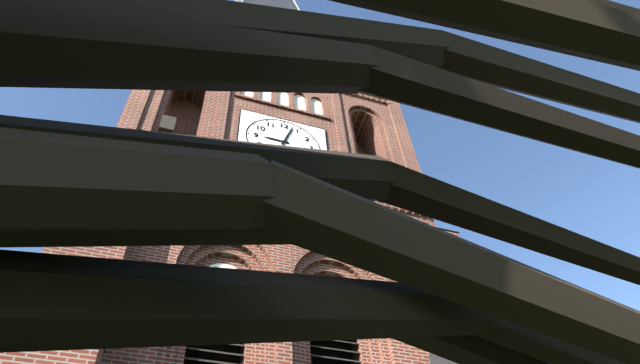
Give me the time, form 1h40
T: 9h03
